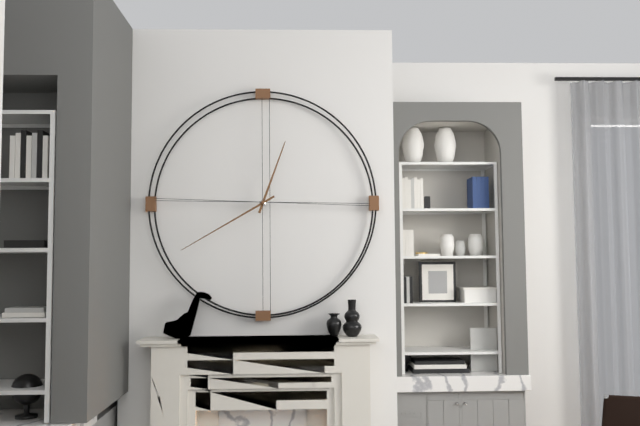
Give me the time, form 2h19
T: 12h40
